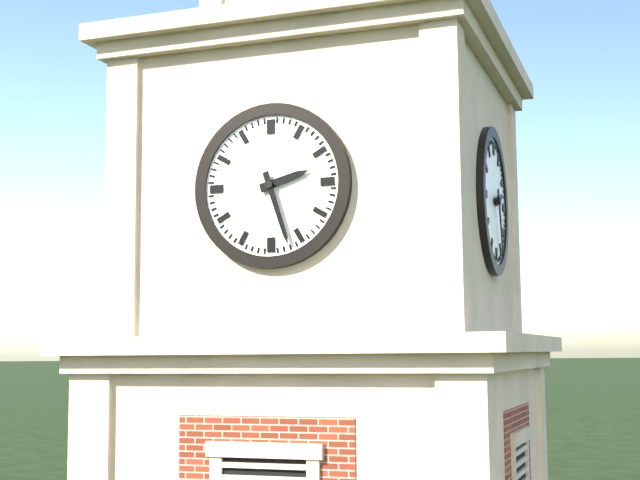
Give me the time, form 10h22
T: 2h27
